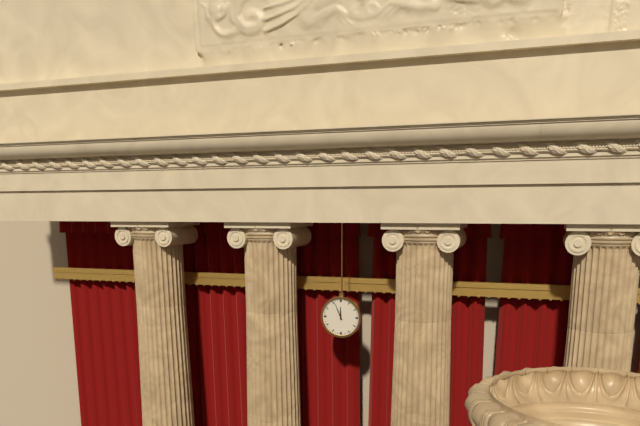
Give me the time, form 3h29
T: 11h56
